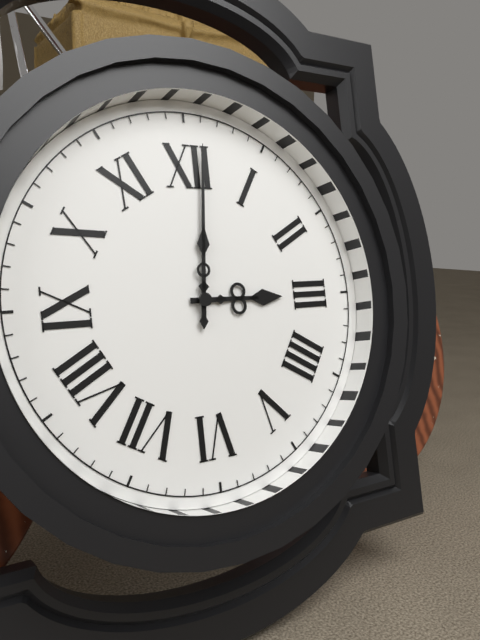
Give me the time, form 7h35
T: 3h01
